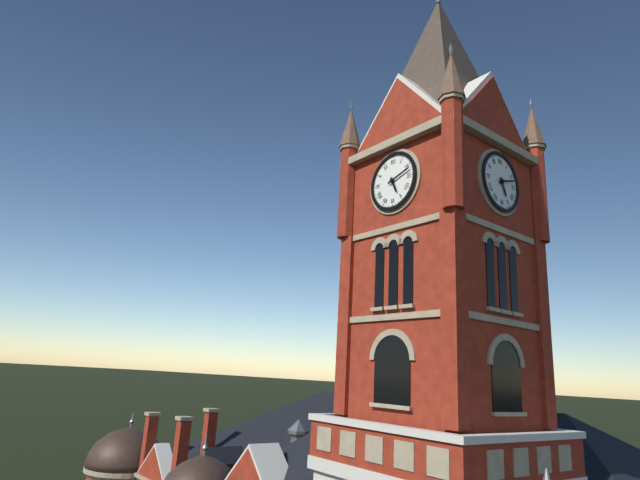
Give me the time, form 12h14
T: 5h12
